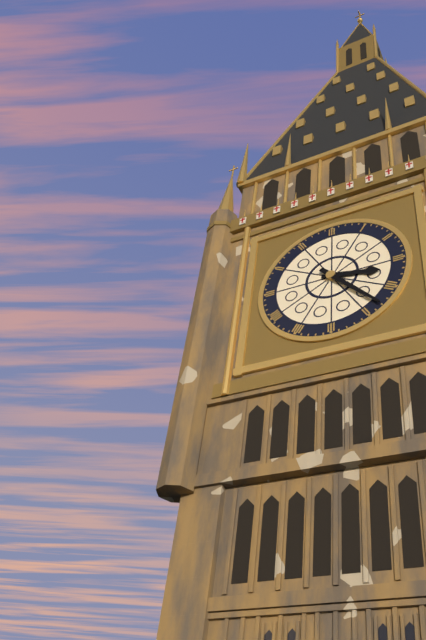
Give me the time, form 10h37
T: 3h23
